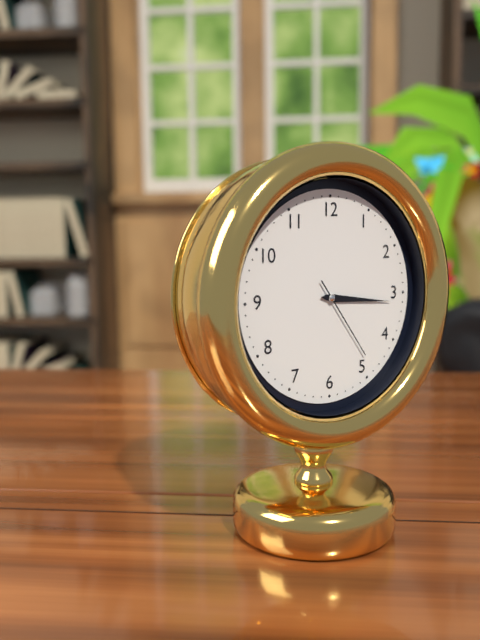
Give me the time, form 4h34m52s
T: 3h16m24s
